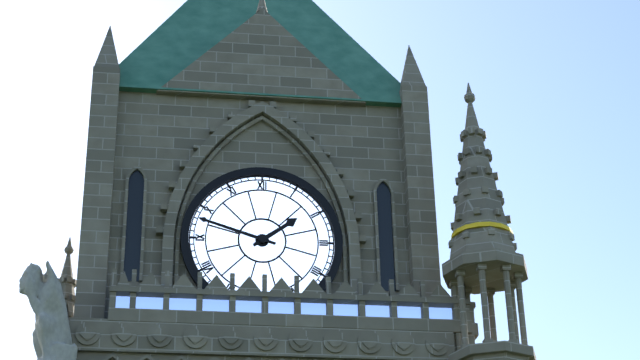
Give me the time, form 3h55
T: 1h48
